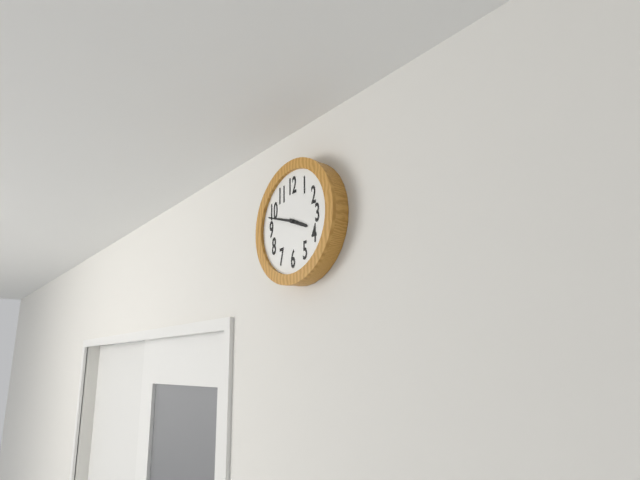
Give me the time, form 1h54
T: 3h48
